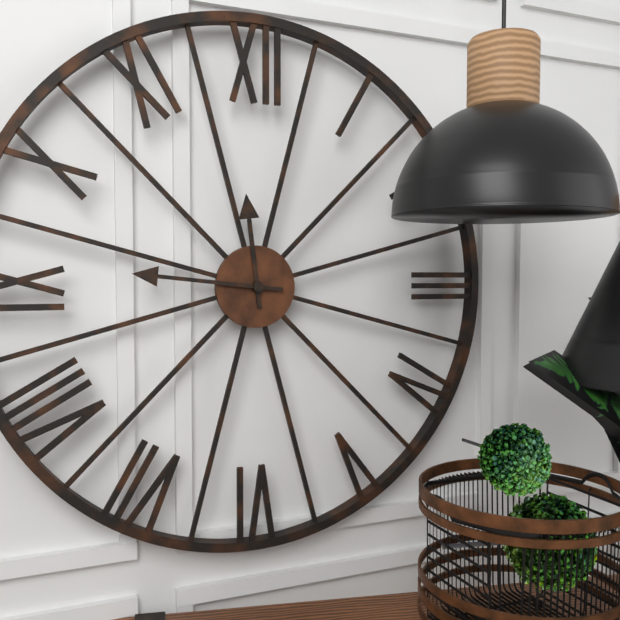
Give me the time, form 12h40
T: 11h46
